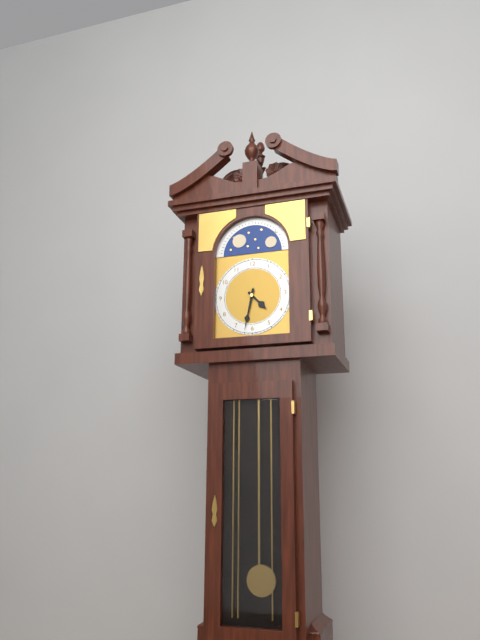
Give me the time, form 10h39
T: 4h32
